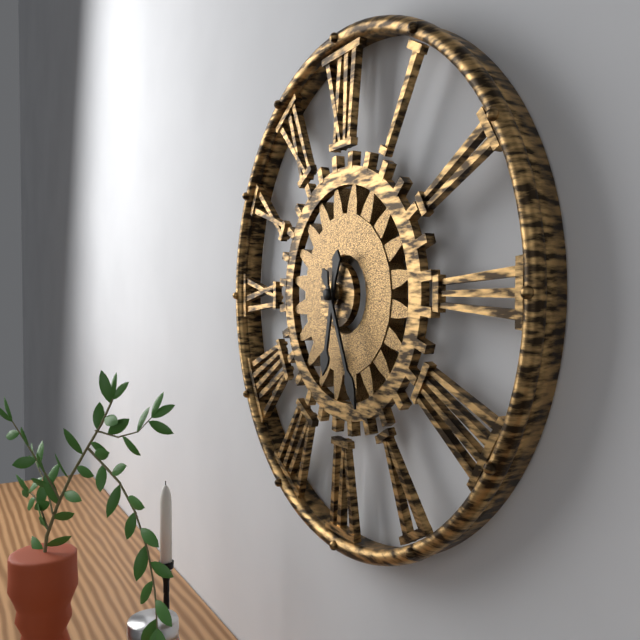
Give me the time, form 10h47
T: 6h26
